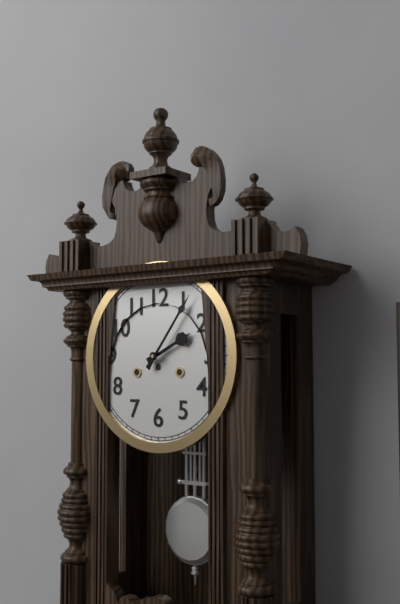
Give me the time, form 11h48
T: 2h06
